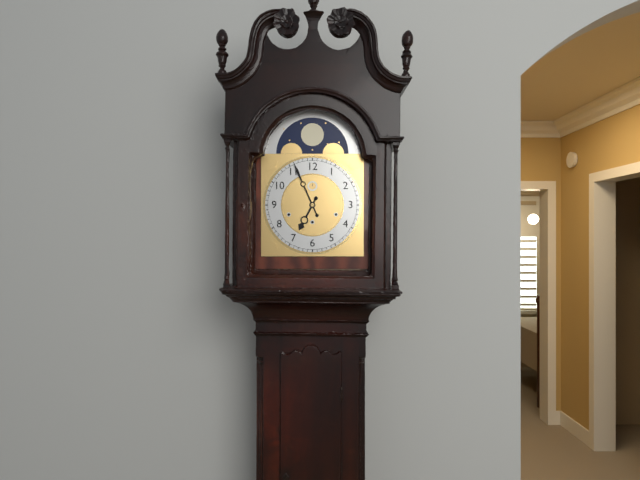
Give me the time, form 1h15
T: 6h56
